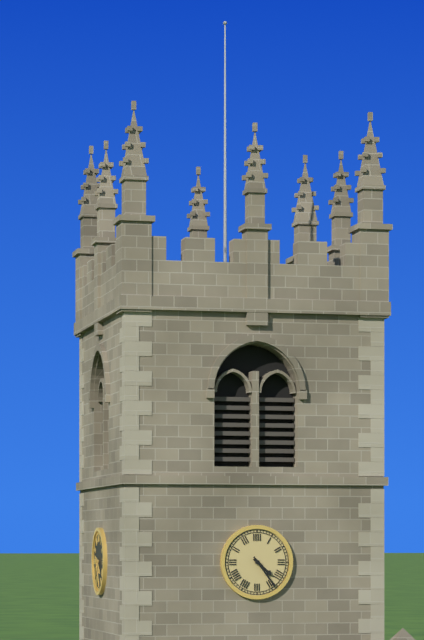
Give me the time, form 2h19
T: 4h24
